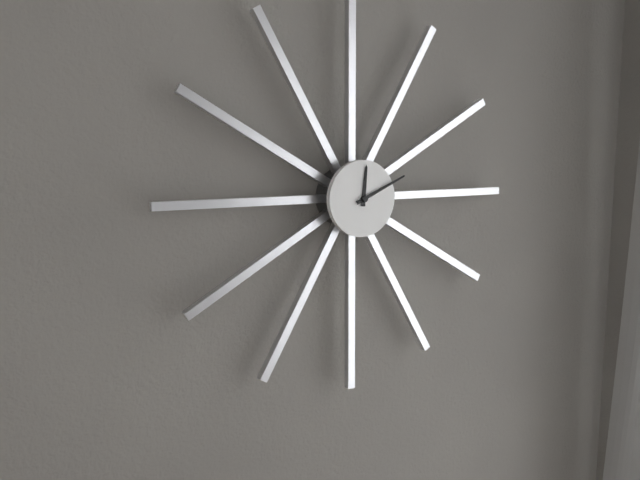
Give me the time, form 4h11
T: 12h11
